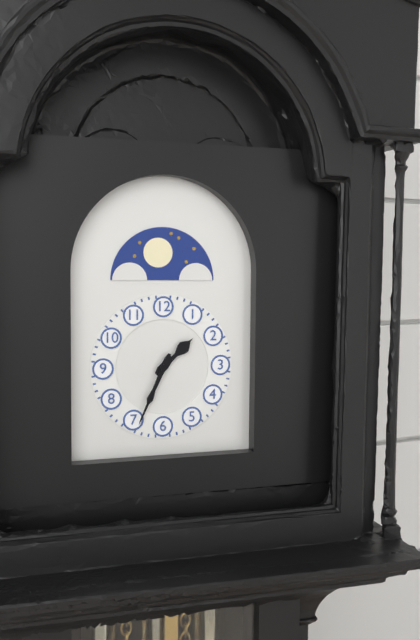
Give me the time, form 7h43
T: 1h34
